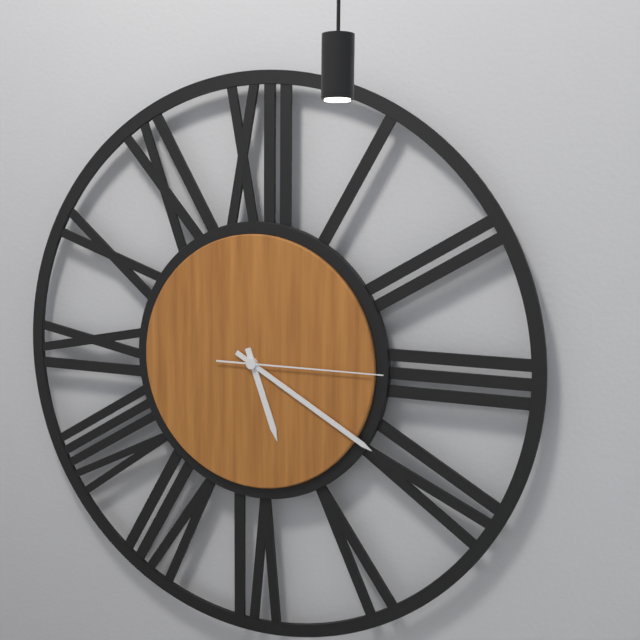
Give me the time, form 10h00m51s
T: 5h20m15s
